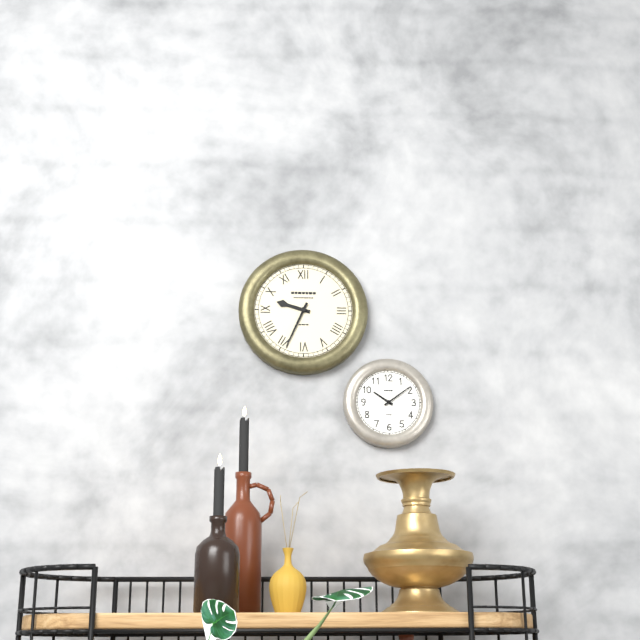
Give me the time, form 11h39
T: 9h34
